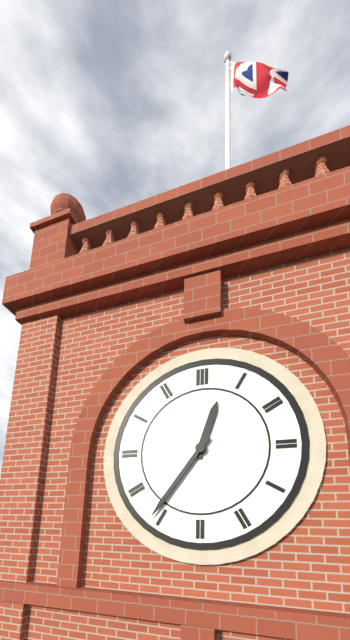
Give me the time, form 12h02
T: 12h36
